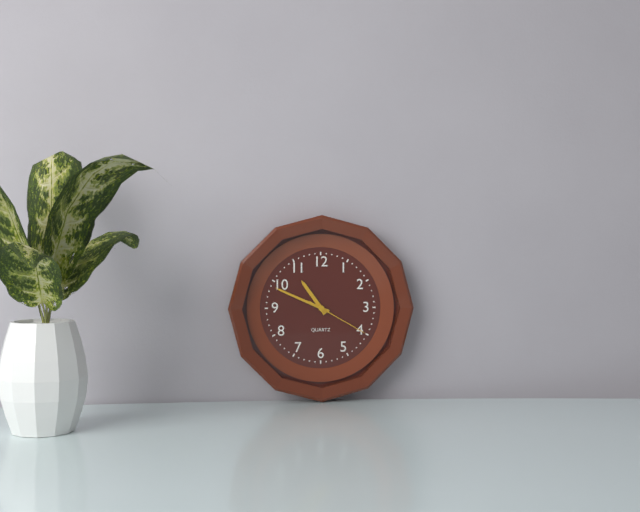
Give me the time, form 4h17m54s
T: 10h49m20s
